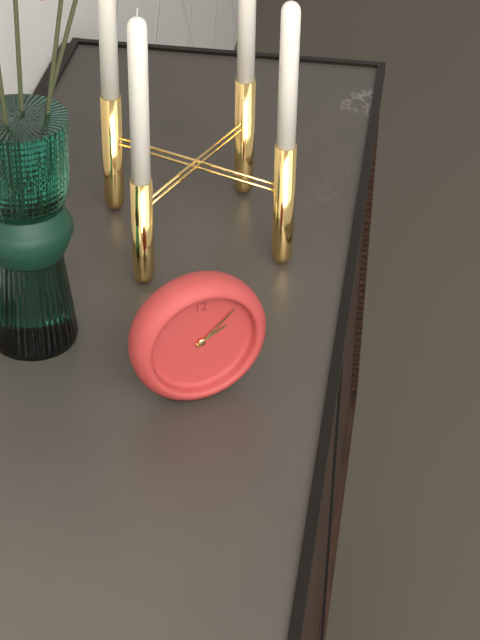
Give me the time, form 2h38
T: 2h08
